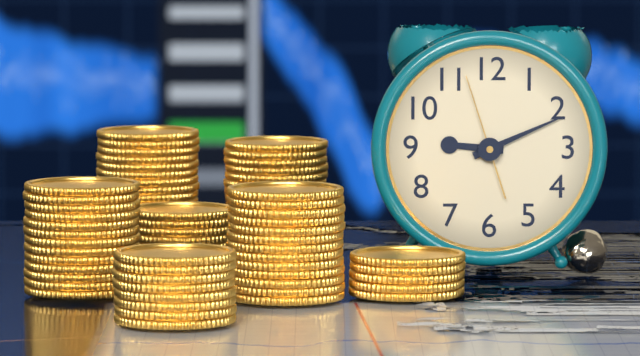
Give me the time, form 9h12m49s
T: 9h11m57s
